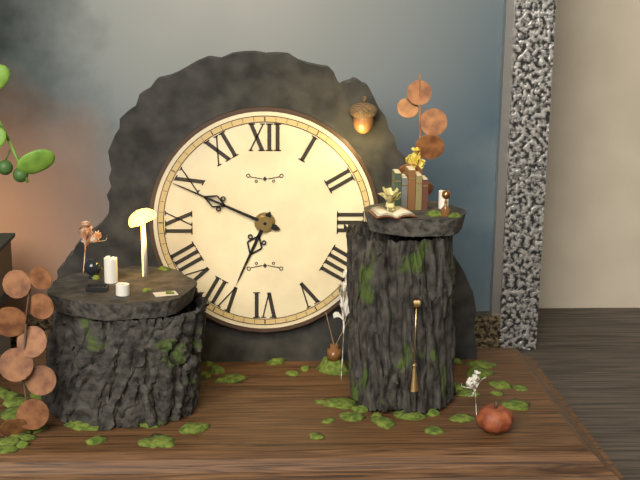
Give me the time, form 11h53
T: 6h49
